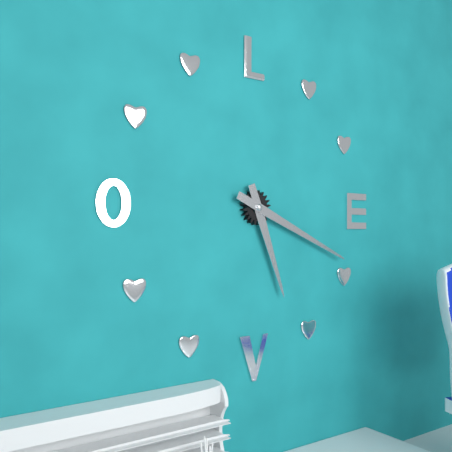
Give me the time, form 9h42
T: 5h19
